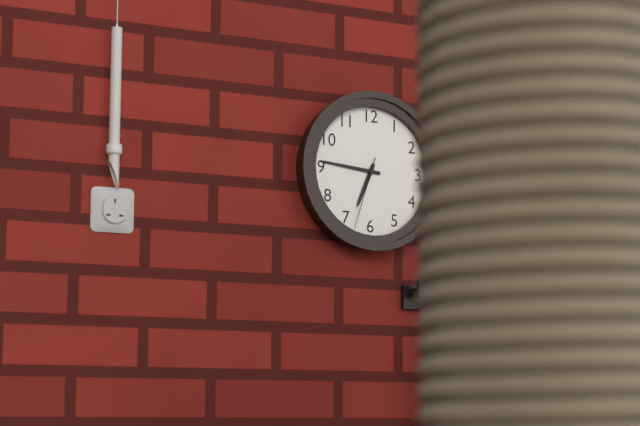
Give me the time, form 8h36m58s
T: 6h46m33s
